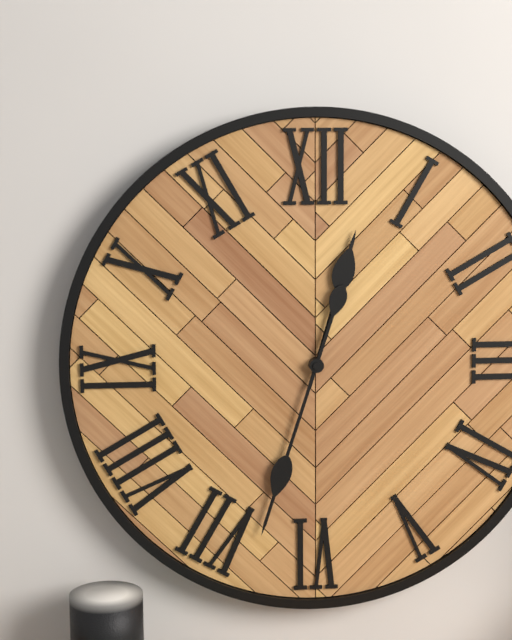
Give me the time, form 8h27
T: 12h33
